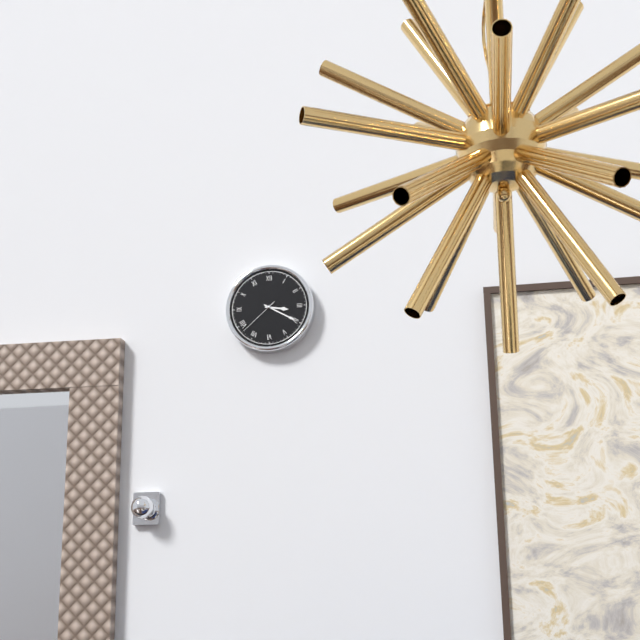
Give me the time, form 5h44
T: 3h20
